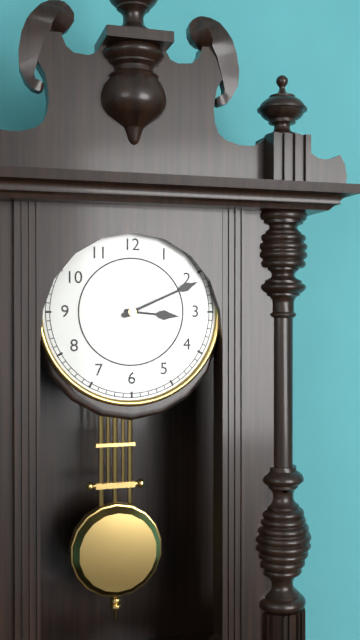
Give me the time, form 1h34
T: 3h11
